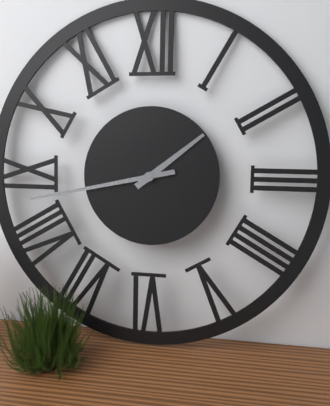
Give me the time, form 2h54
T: 1h43
